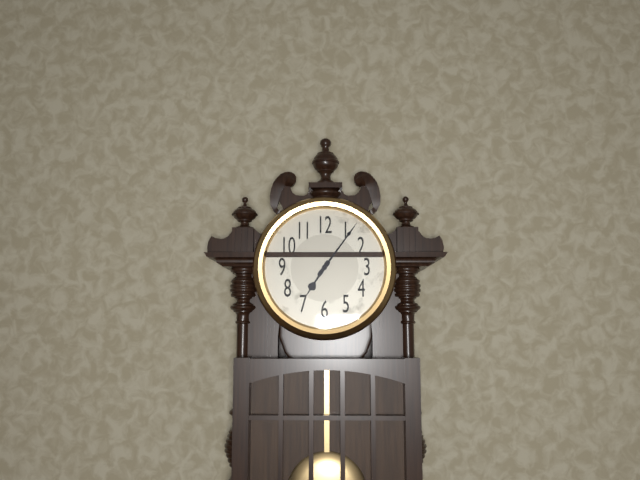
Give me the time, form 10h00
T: 7h06
